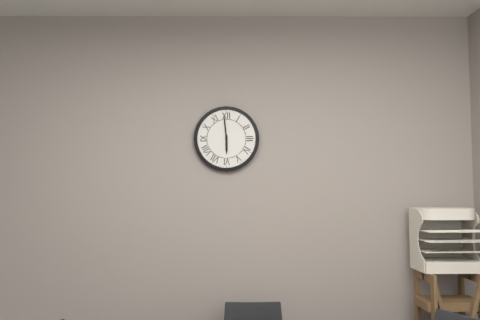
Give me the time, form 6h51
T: 5h59
